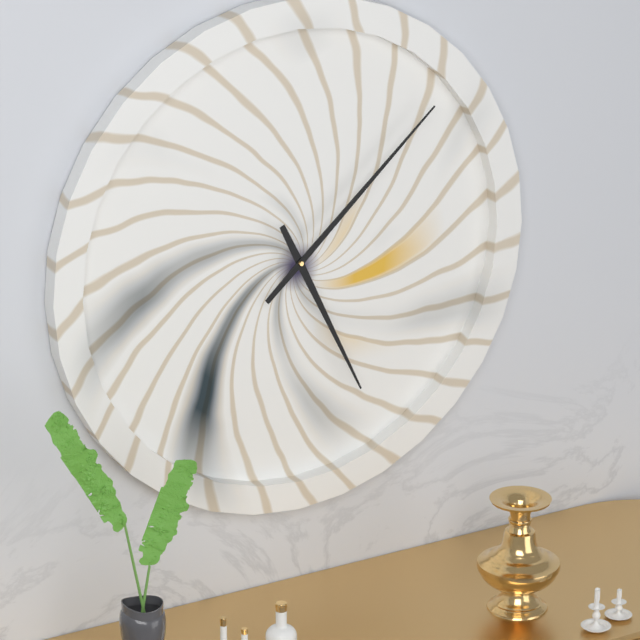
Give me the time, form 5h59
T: 5h08
